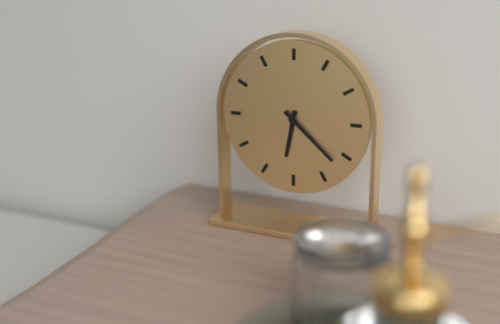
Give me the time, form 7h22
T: 6h22
